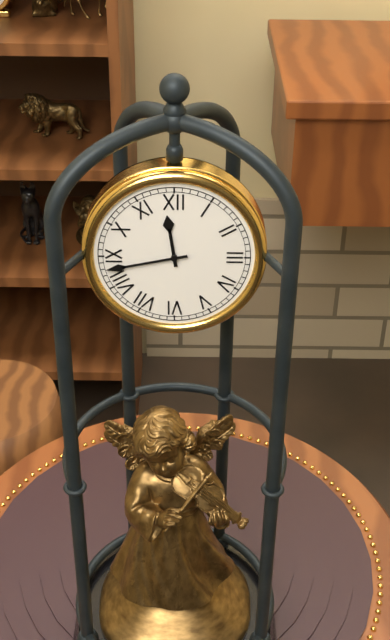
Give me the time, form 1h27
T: 11h43
